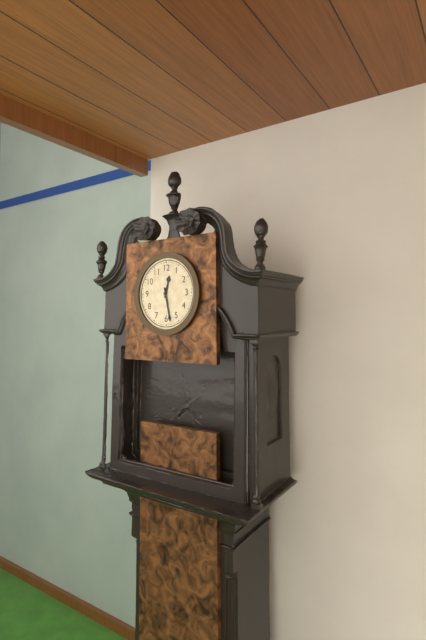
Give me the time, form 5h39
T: 12h28
